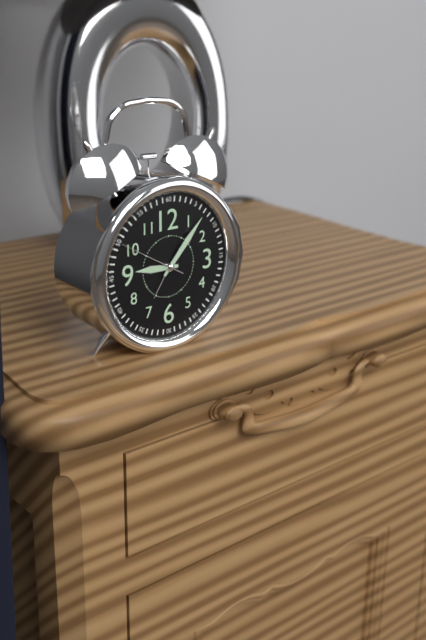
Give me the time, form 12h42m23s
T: 9h07m50s
